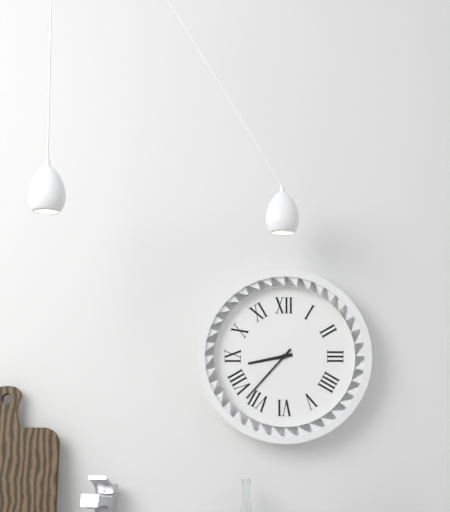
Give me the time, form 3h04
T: 8h37
